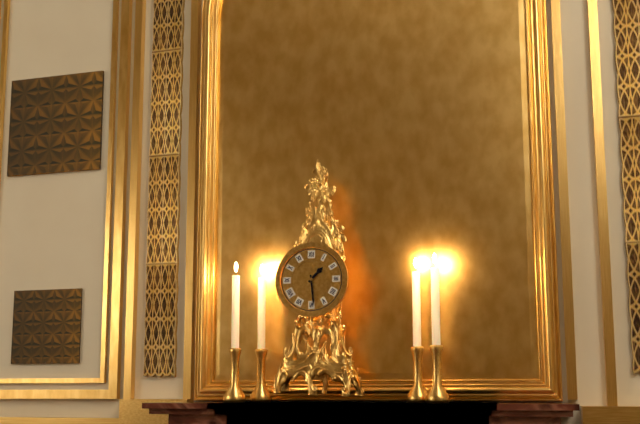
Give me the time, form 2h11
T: 1h29
